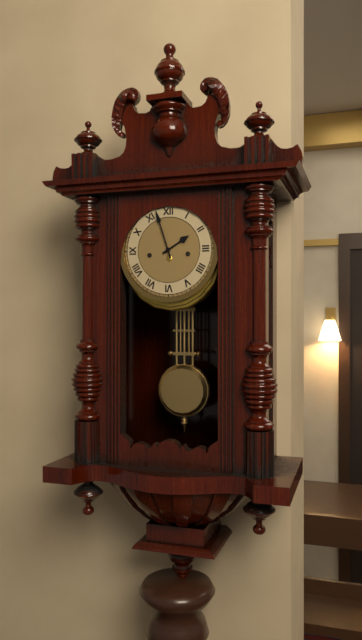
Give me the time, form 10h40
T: 1h57
